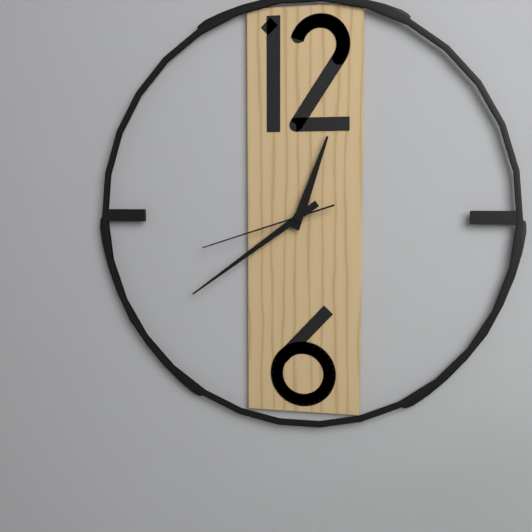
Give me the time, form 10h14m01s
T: 12h39m42s
